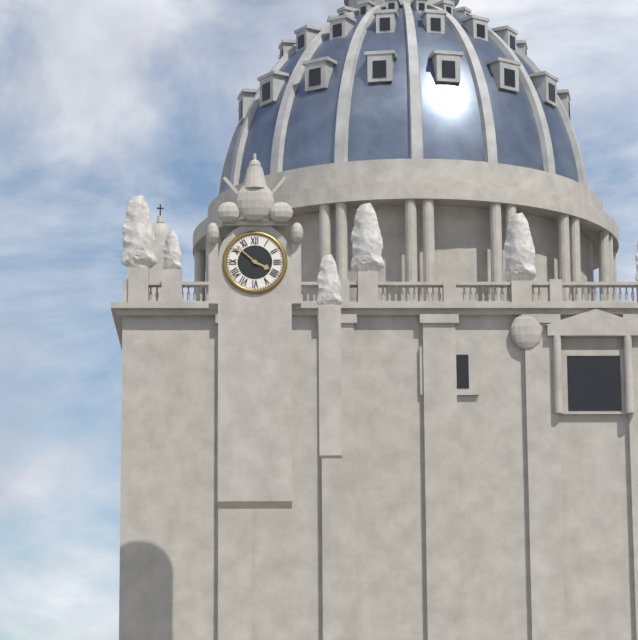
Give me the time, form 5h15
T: 3h52
